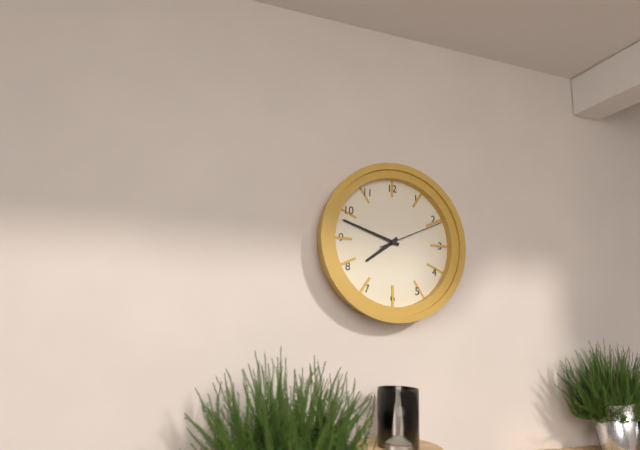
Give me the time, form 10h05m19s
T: 7h48m11s
